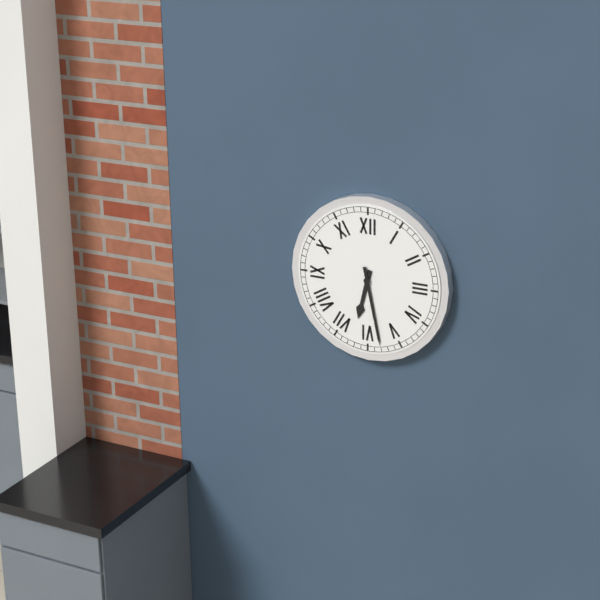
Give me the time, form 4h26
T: 6h28
